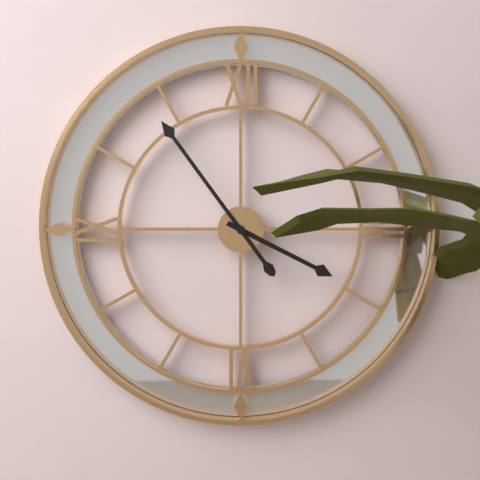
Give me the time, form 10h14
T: 3h54
